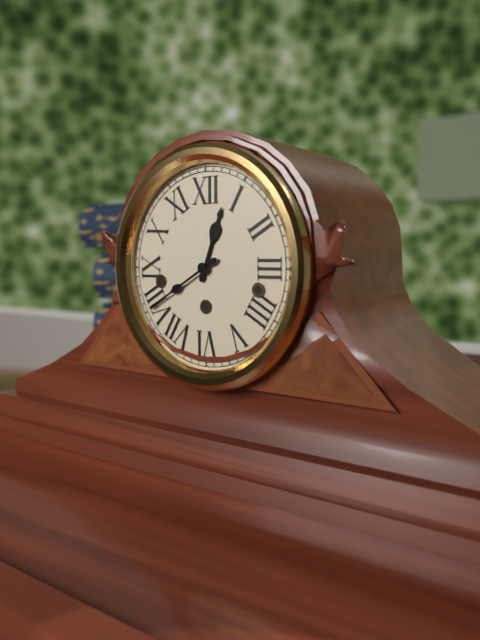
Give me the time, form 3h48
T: 12h40
